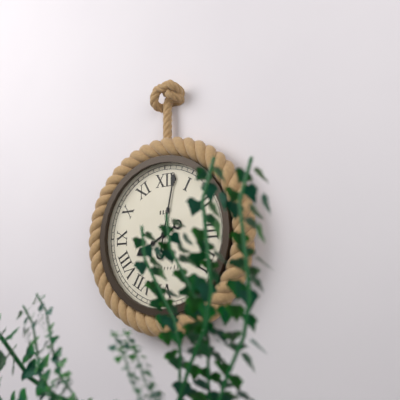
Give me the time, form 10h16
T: 8h02
